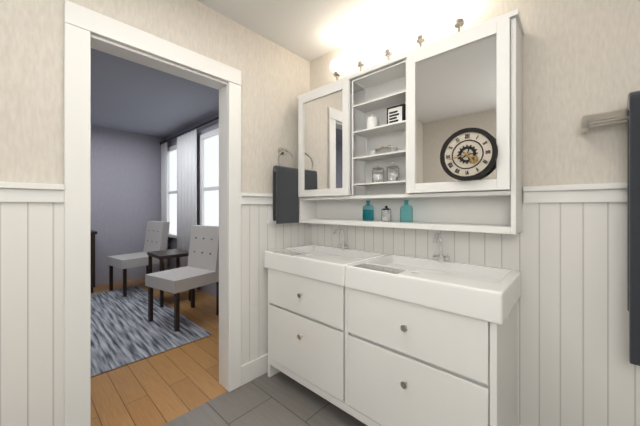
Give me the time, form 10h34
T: 4h43
